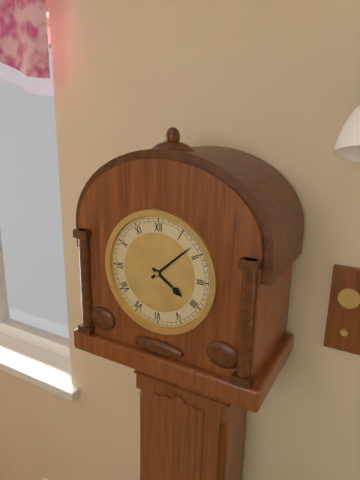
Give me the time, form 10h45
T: 4h08
